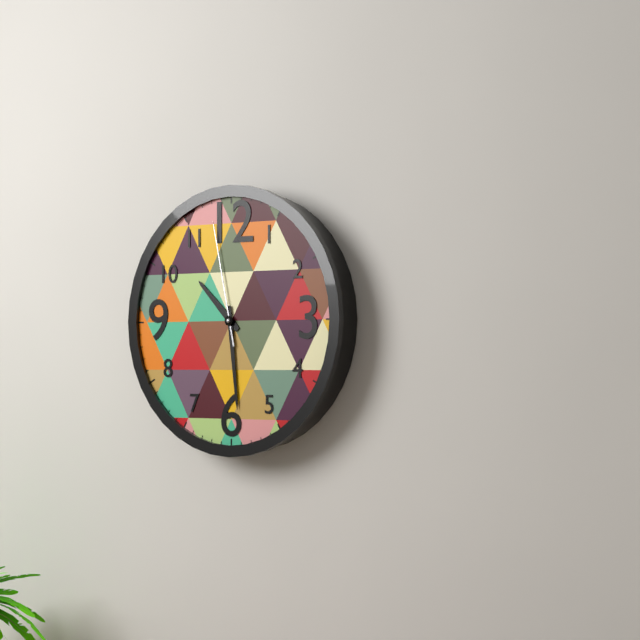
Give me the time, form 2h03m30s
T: 10h29m58s
